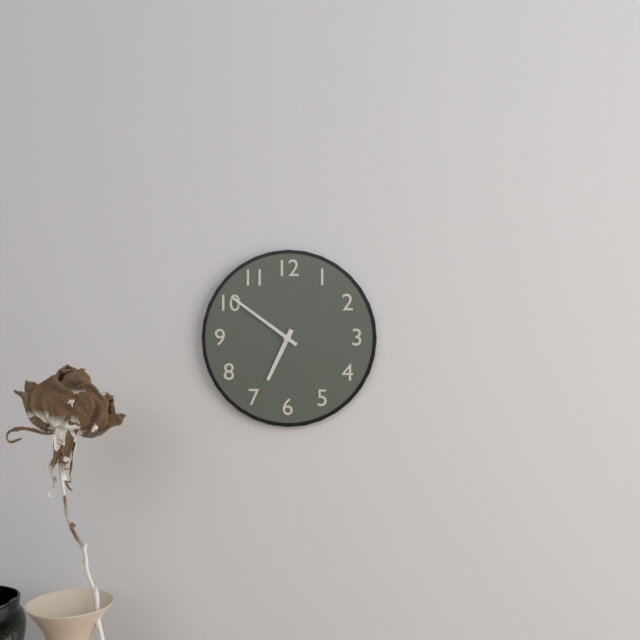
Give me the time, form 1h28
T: 6h51
